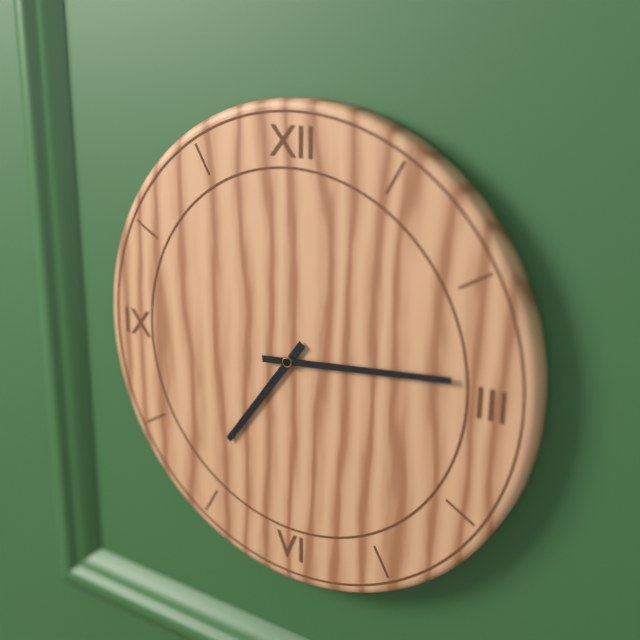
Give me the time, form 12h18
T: 7h14
